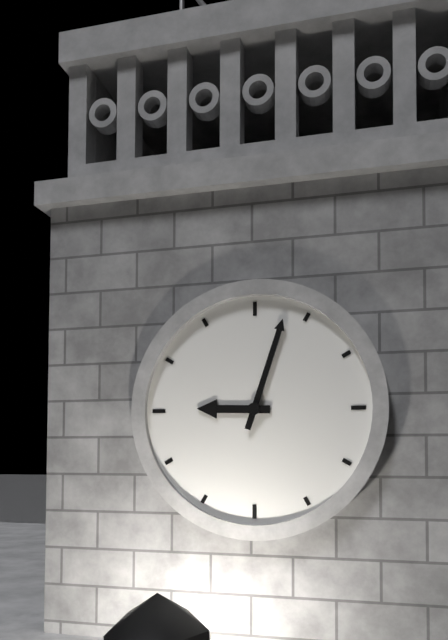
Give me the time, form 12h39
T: 9h03
